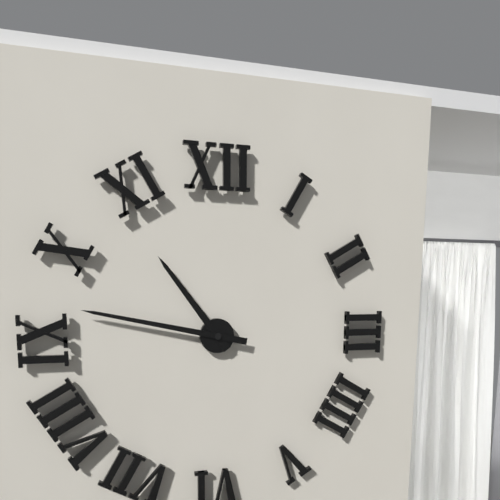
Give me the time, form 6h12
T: 10h47
